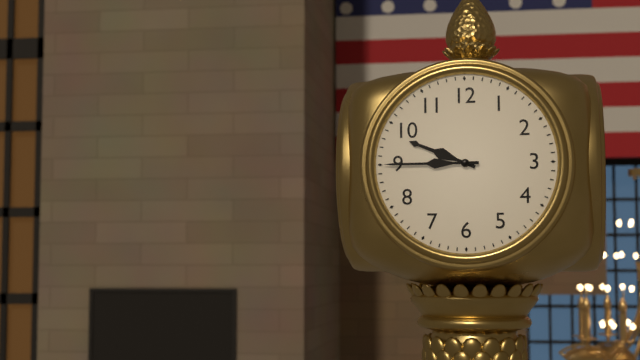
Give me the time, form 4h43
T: 9h45
